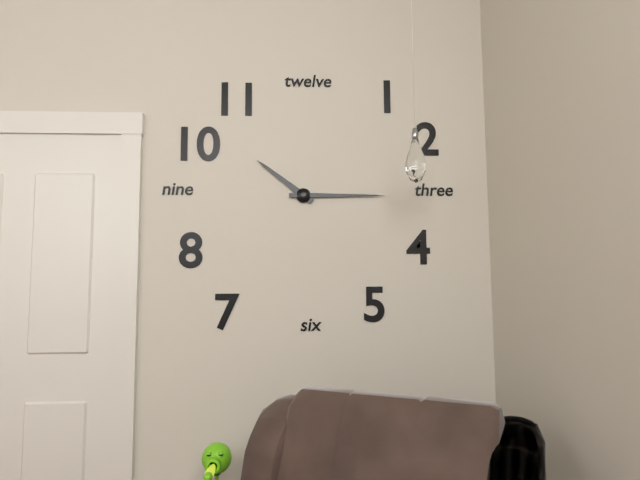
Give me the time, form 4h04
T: 10h15
